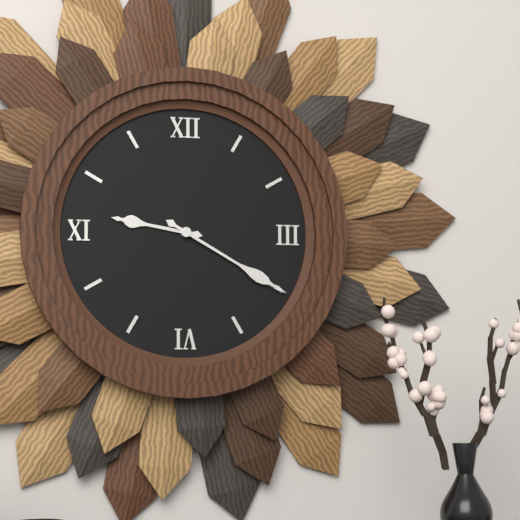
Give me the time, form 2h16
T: 9h20
